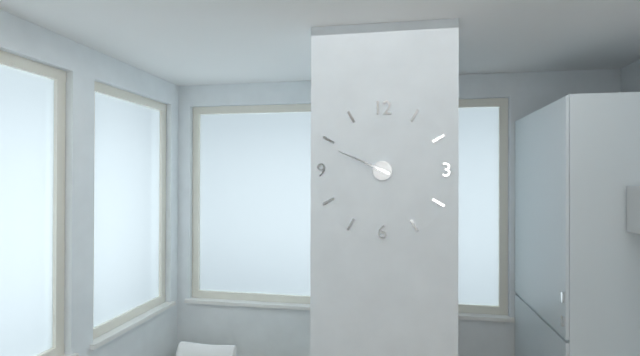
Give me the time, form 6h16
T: 9h49
